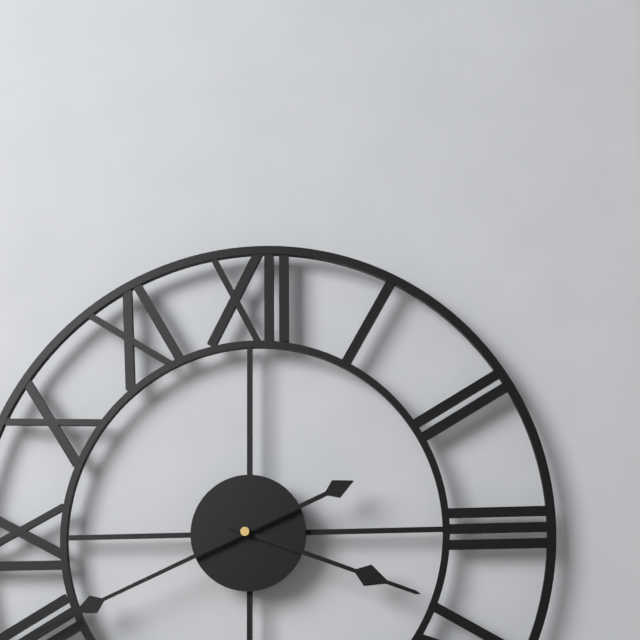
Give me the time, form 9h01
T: 3h41
